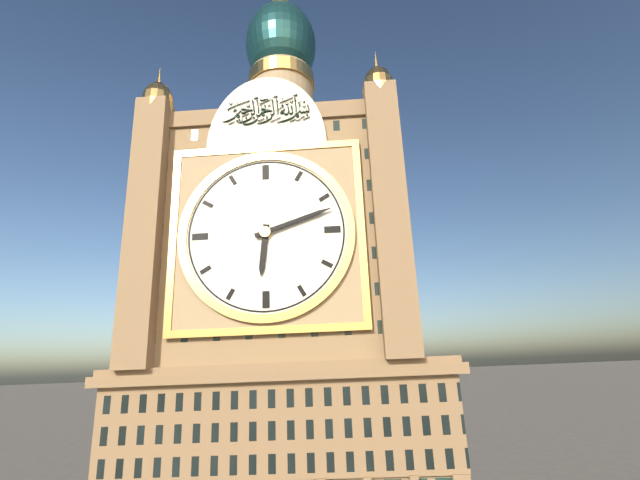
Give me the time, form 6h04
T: 6h12
